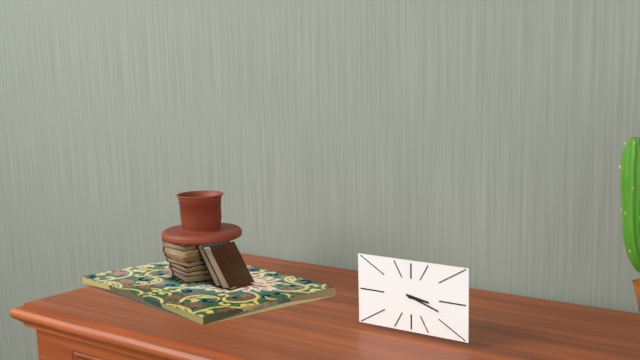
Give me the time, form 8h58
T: 3h18
